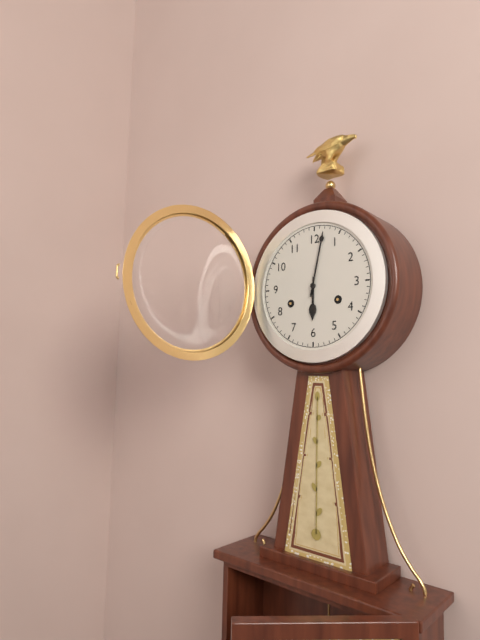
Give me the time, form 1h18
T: 6h02
